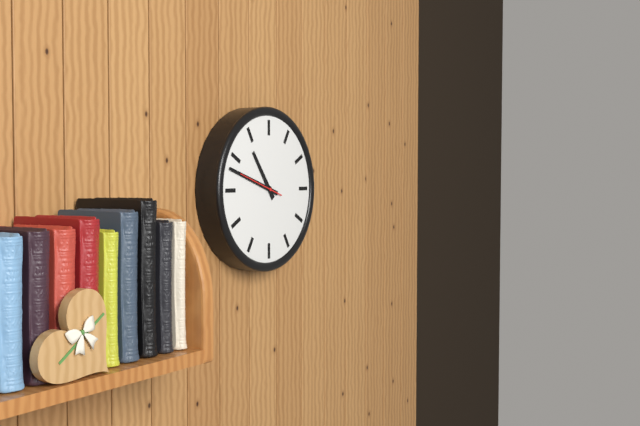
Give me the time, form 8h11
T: 10h48
